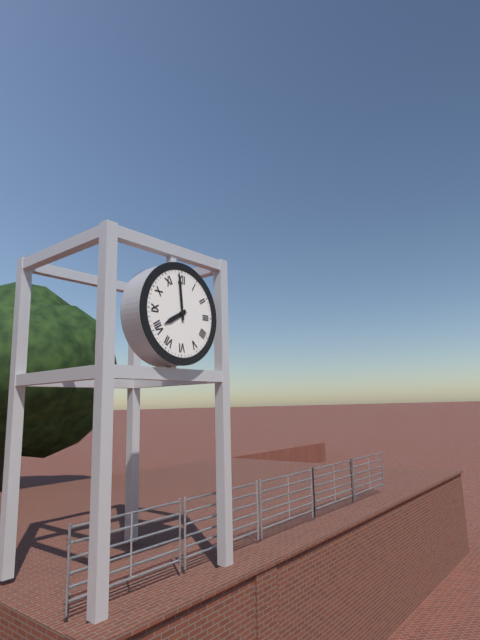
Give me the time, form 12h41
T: 7h59
